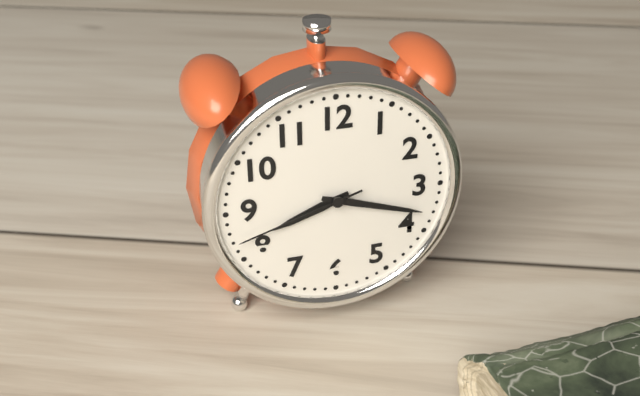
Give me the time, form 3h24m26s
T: 8h18m42s
